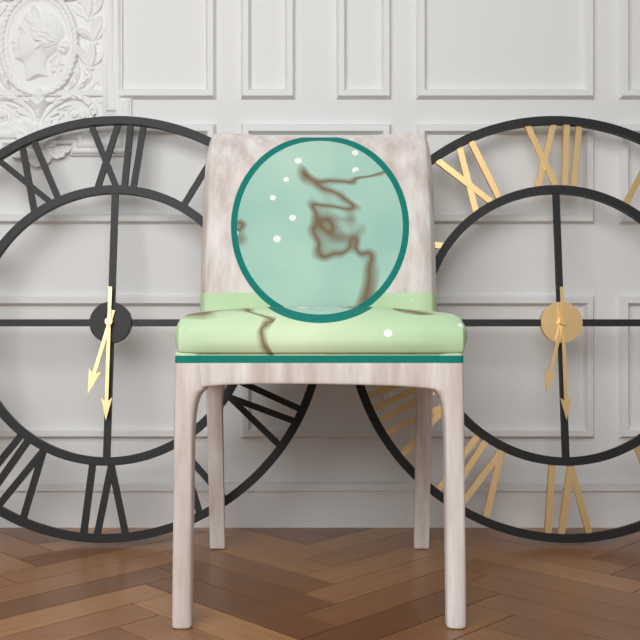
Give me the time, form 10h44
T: 6h30
